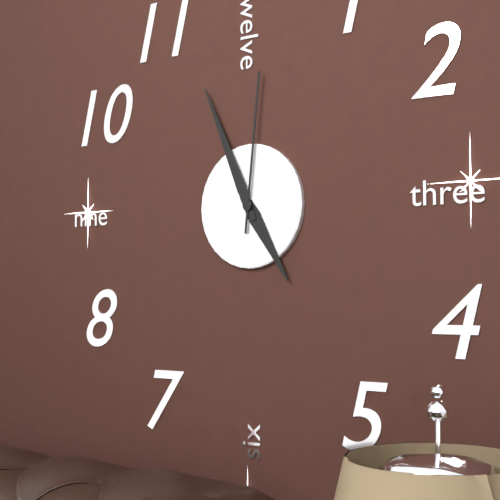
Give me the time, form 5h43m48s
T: 4h56m01s
